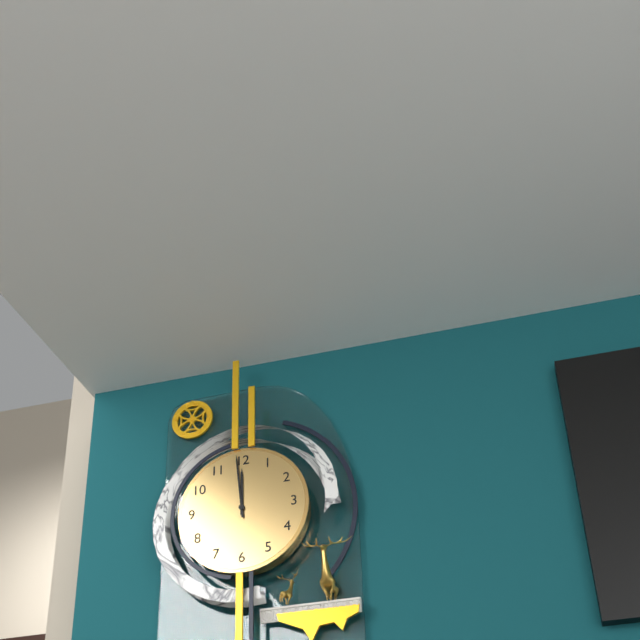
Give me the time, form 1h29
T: 11h59
